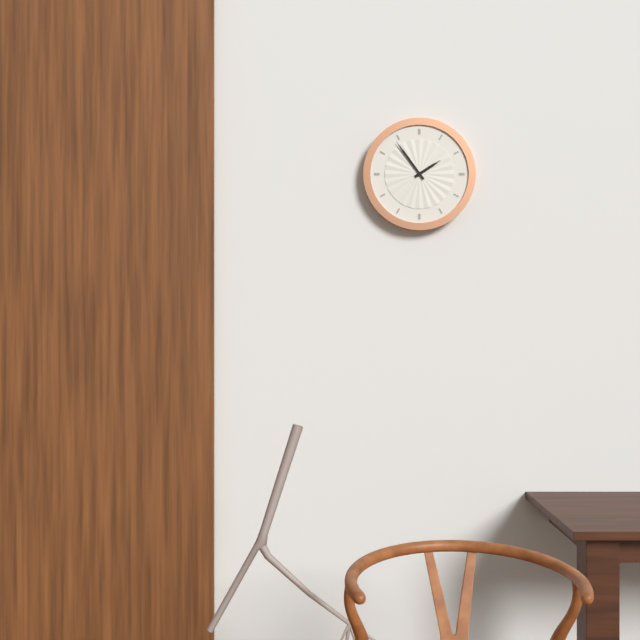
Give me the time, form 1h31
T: 1h54
